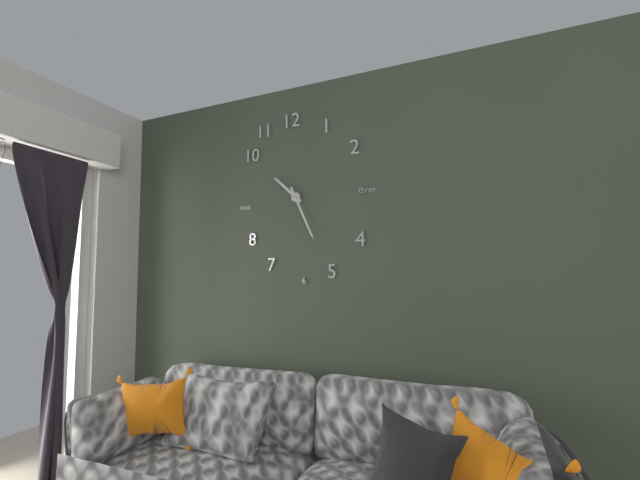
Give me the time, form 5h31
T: 10h26
